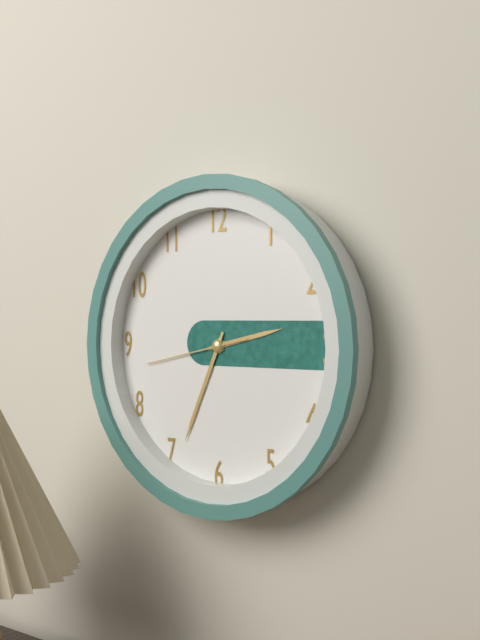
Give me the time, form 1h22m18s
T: 2h34m43s
